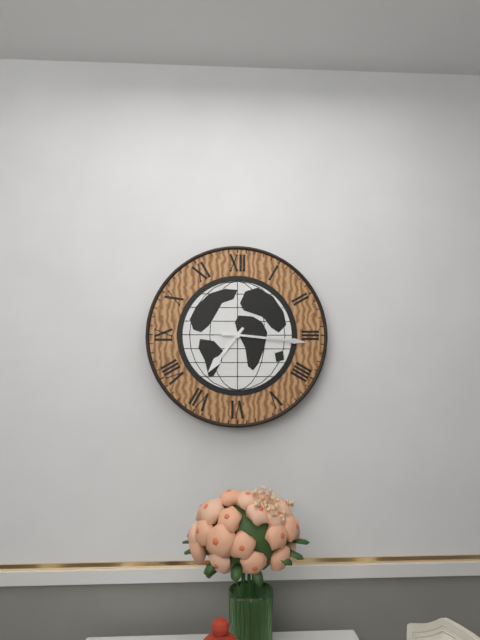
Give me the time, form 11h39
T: 7h16
